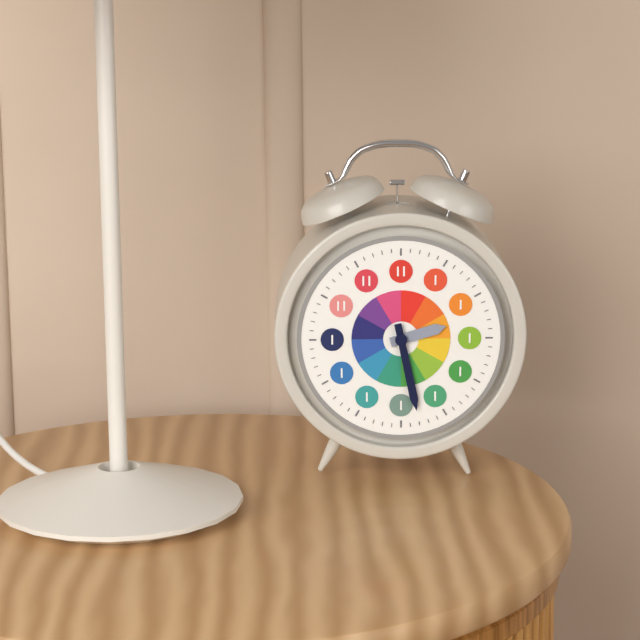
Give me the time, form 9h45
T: 2h28
